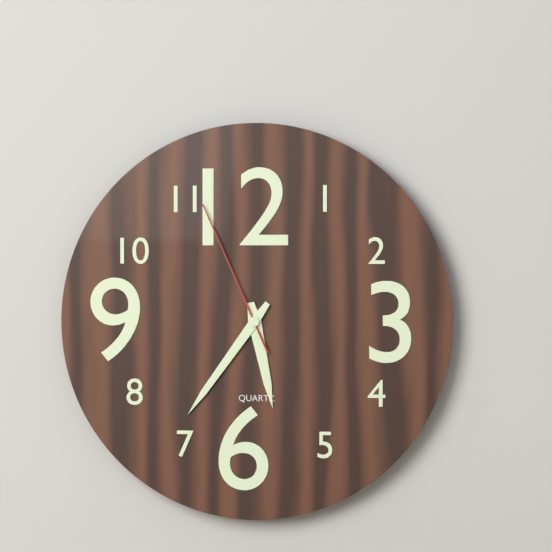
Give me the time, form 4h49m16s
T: 5h36m56s
